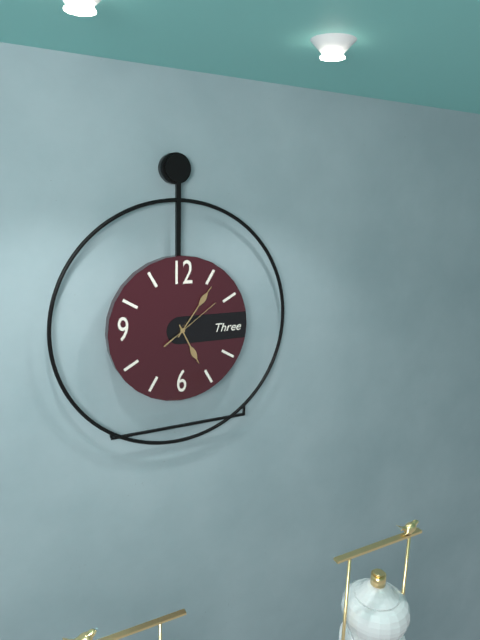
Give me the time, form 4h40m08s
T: 5h06m09s
